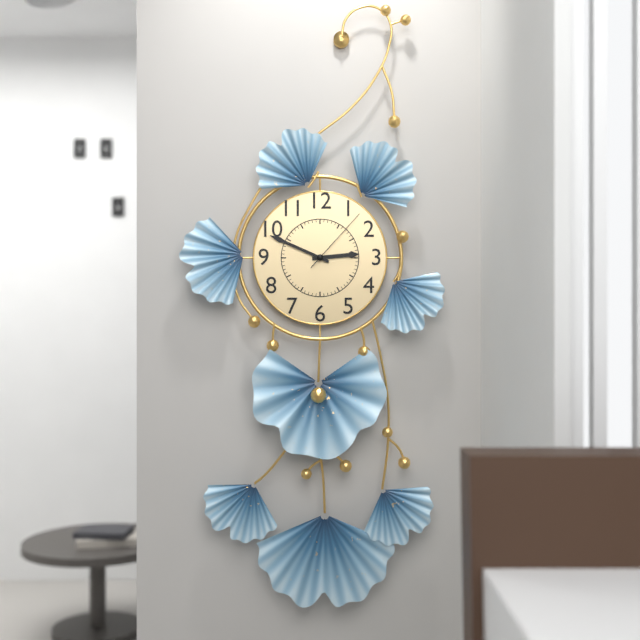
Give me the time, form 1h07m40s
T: 2h49m07s
